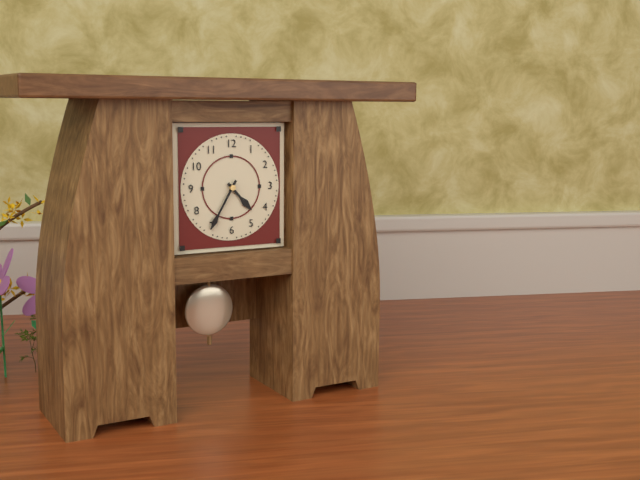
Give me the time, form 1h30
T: 4h35
